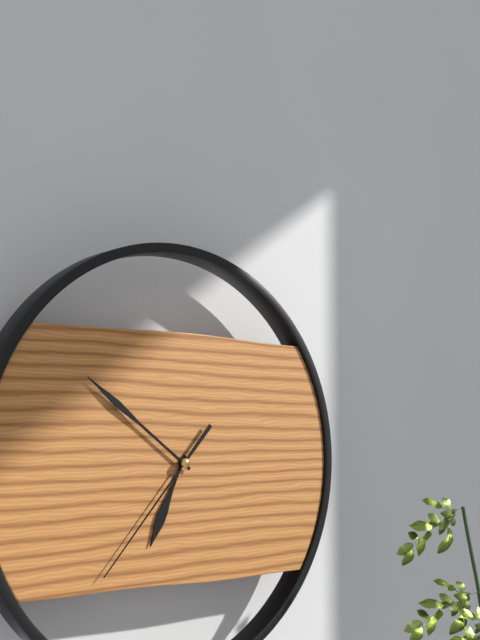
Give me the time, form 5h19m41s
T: 6h51m37s
